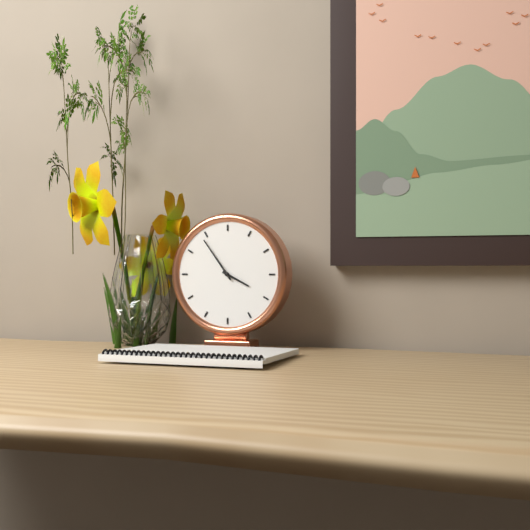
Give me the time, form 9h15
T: 3h54
